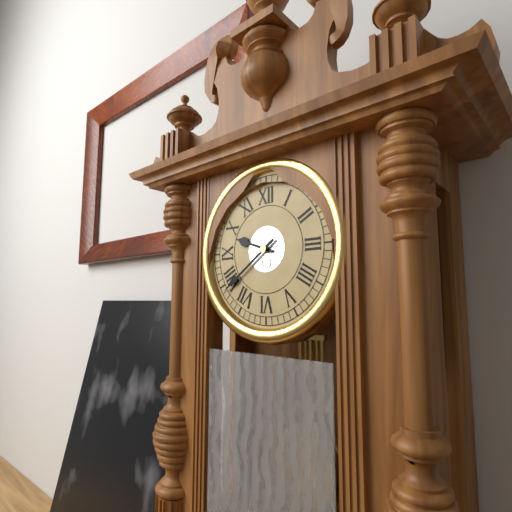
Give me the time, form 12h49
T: 9h39
